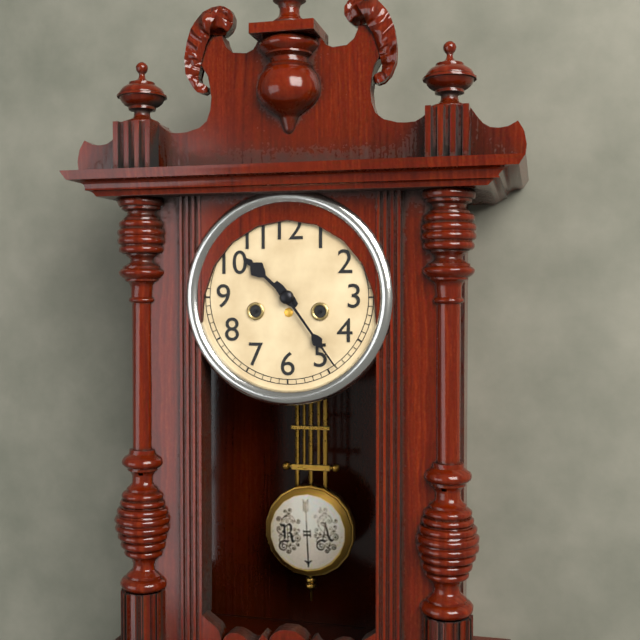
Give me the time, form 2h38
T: 10h24
